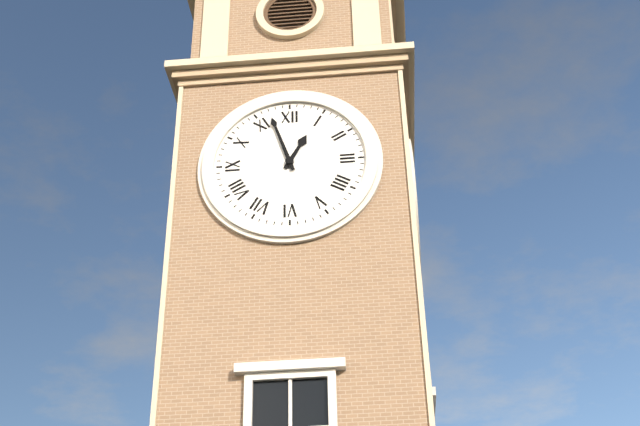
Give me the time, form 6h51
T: 12h57
